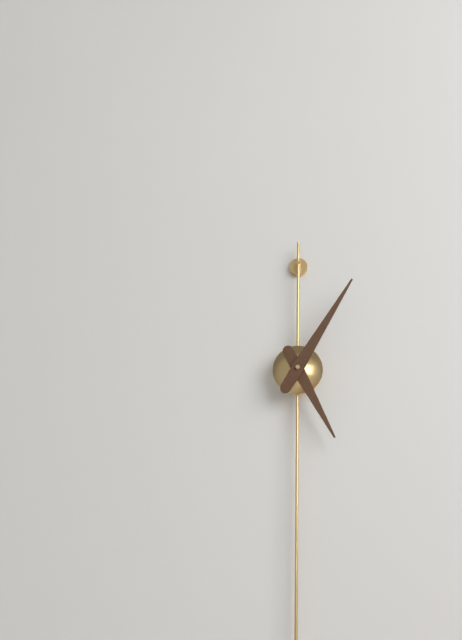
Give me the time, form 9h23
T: 5h05
